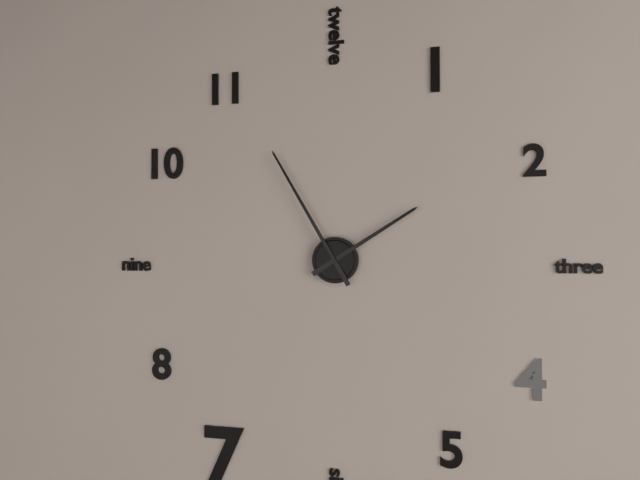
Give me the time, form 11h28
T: 1h55
